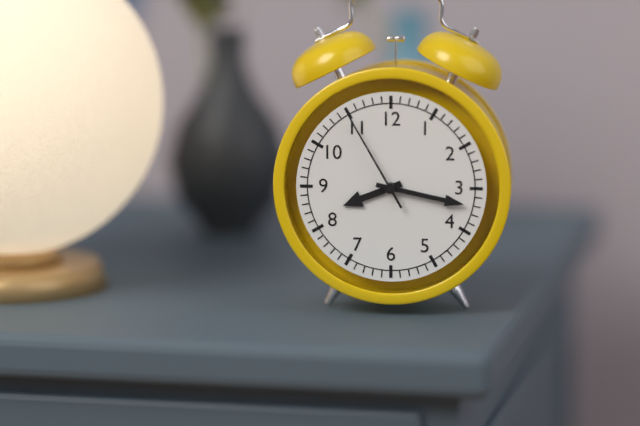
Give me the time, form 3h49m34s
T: 8h17m55s
